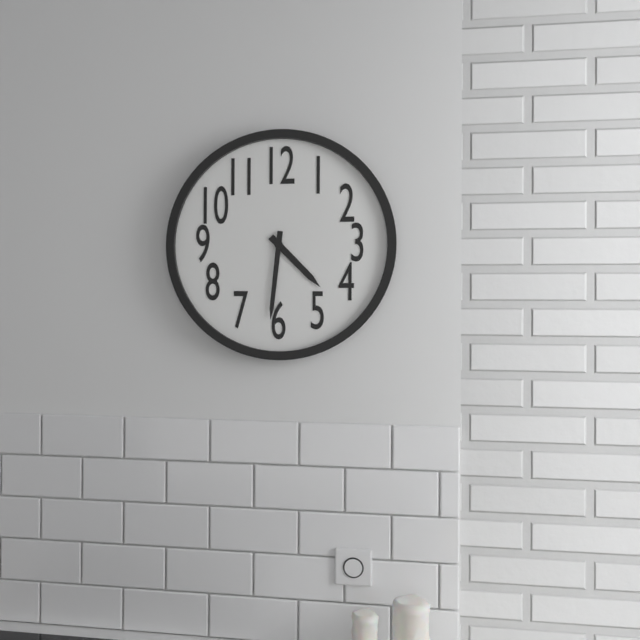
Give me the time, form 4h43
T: 4h31
